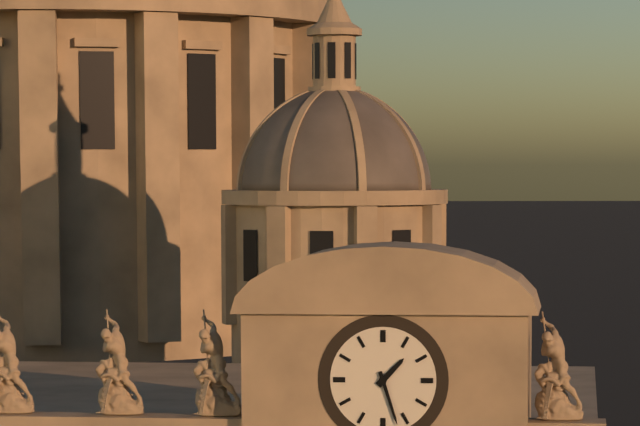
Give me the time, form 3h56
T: 1h27
